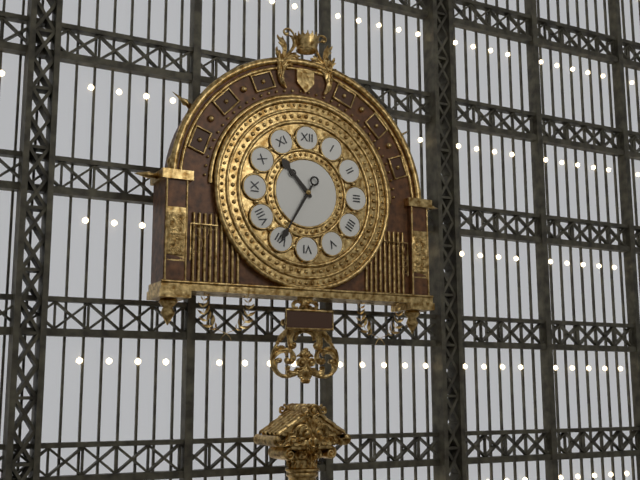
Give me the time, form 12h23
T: 10h35
